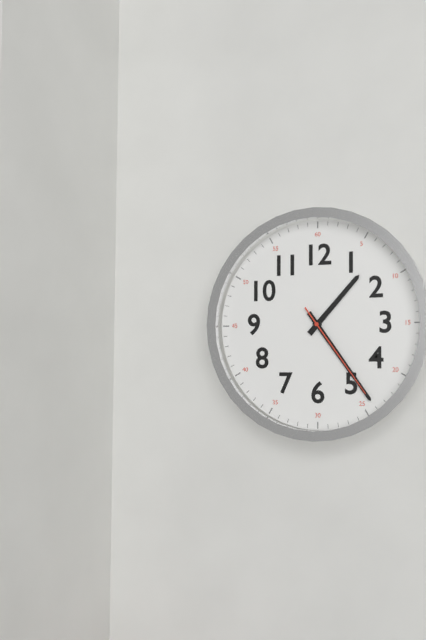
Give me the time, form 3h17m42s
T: 1h24m24s
